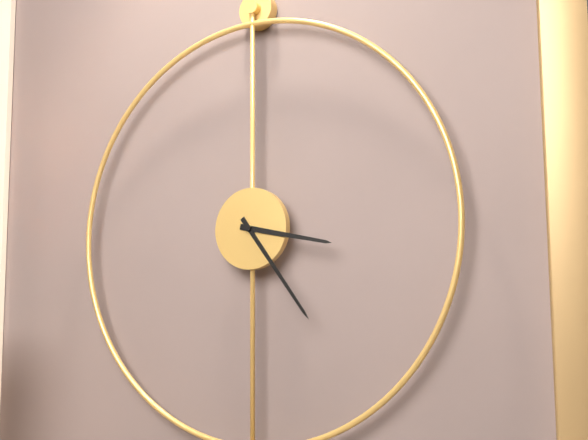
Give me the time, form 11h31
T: 3h24
